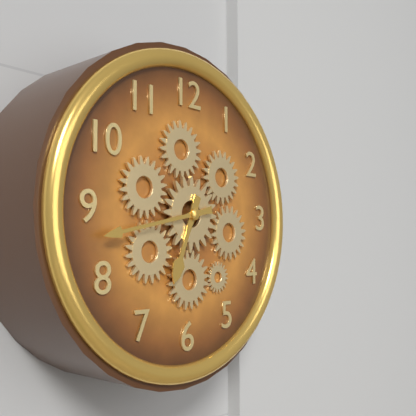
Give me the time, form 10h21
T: 6h43
